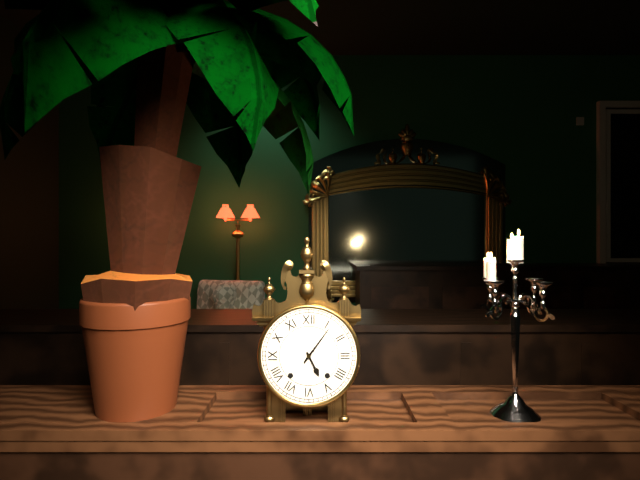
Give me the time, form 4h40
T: 5h06
